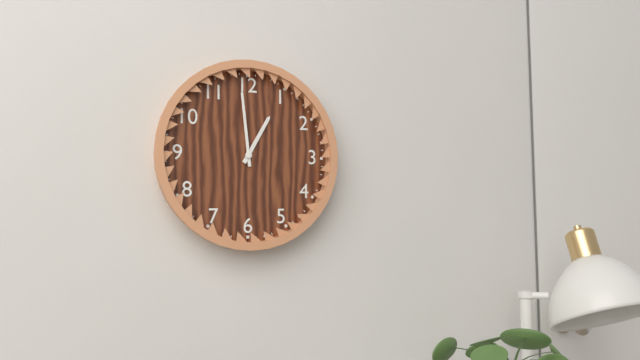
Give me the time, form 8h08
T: 12h59
